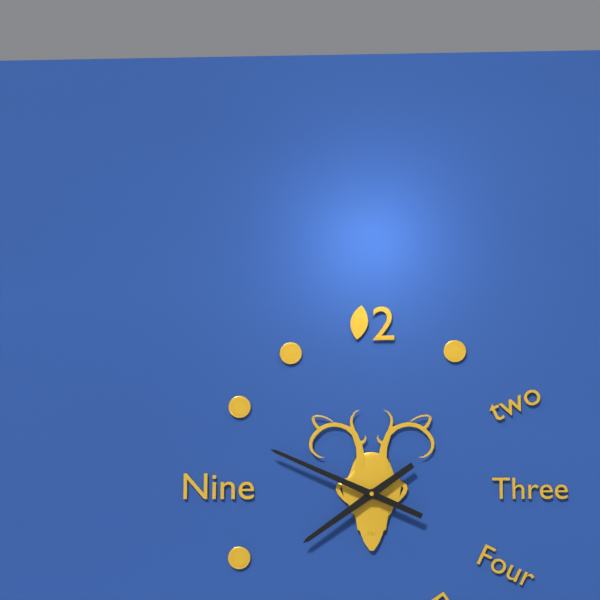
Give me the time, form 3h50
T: 7h49
